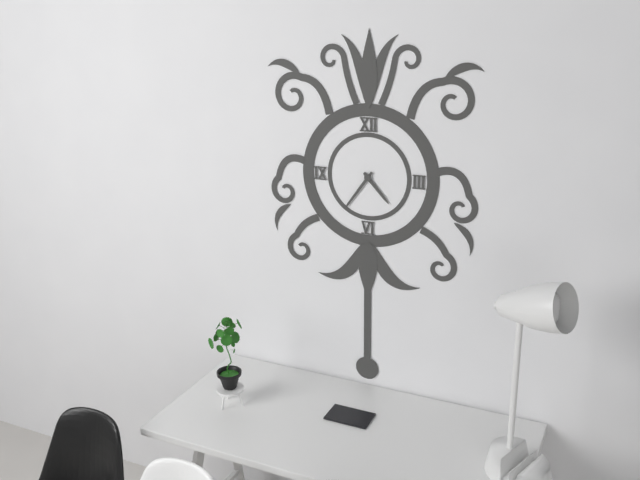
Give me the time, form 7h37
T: 4h36
